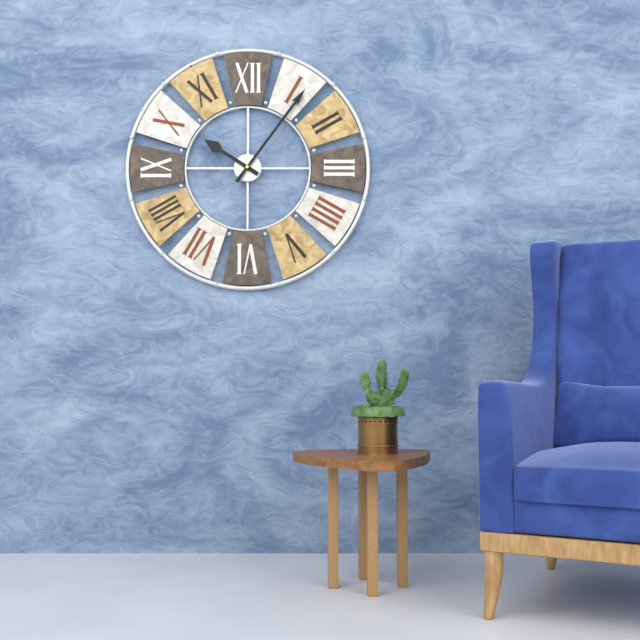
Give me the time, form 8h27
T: 10h06
